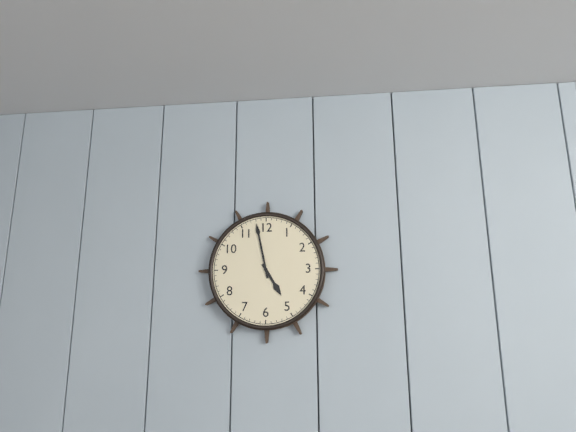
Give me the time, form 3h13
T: 4h58
